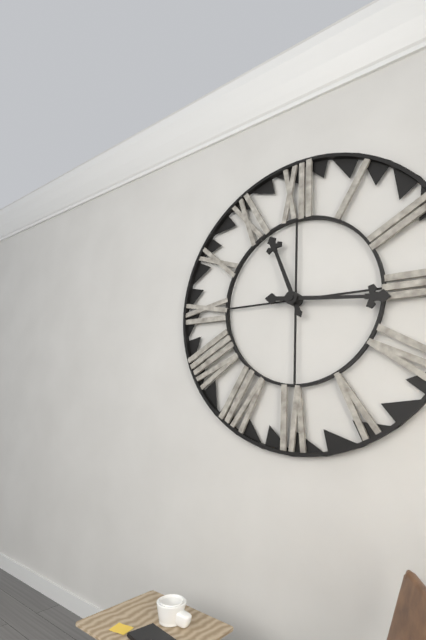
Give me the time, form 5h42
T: 11h16
